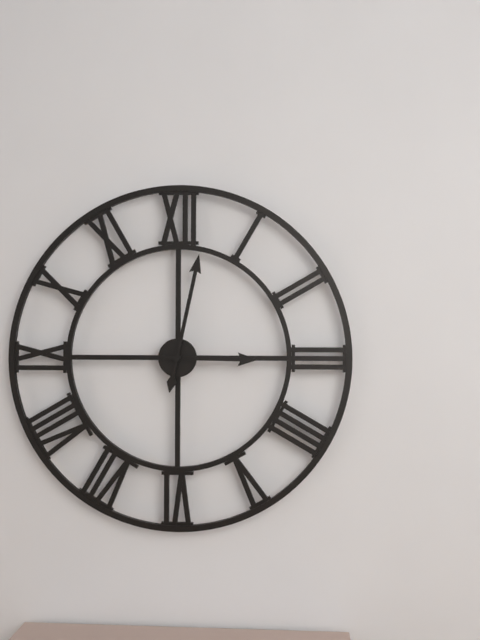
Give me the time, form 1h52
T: 3h02
